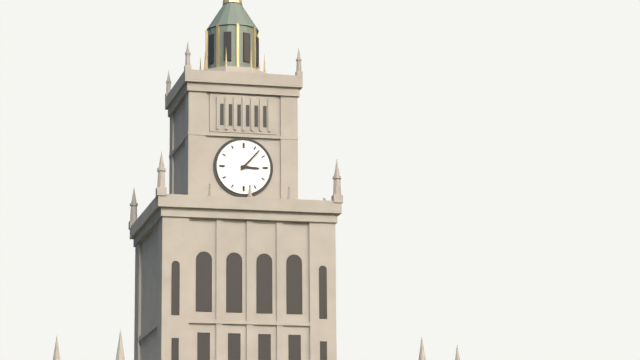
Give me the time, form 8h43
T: 3h07
